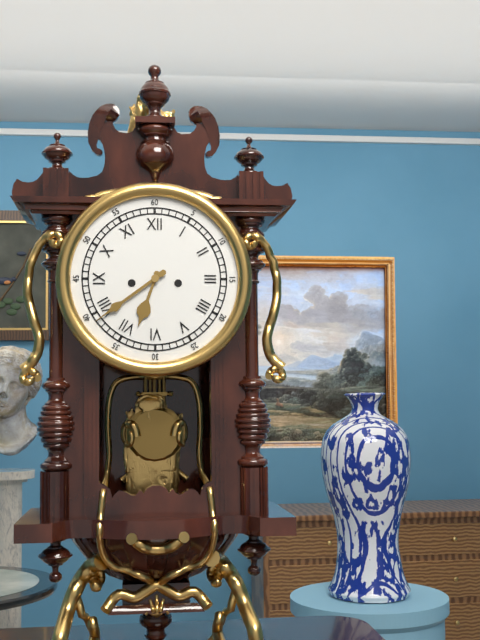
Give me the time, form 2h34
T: 6h39
